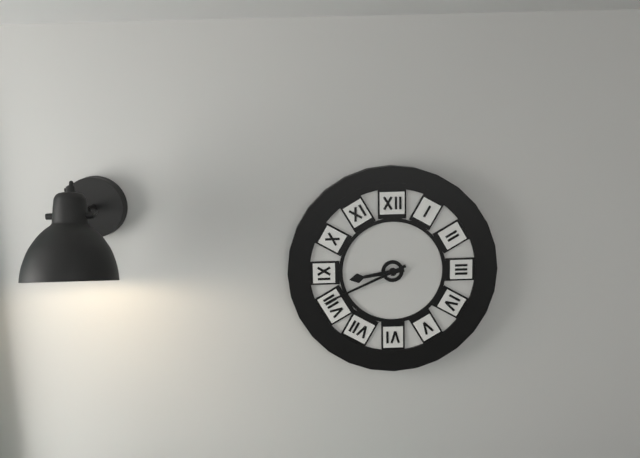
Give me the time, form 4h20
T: 8h41
